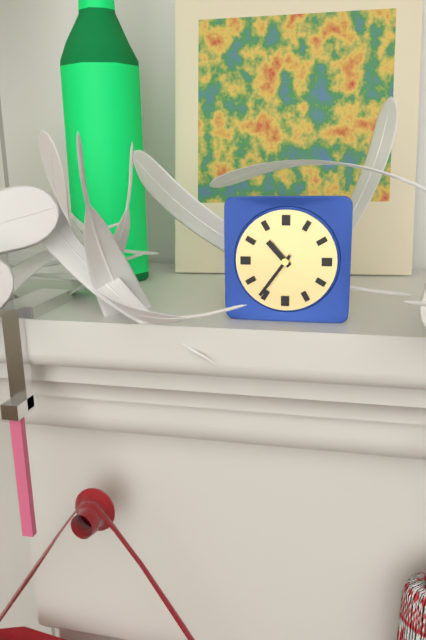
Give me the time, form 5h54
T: 10h36
